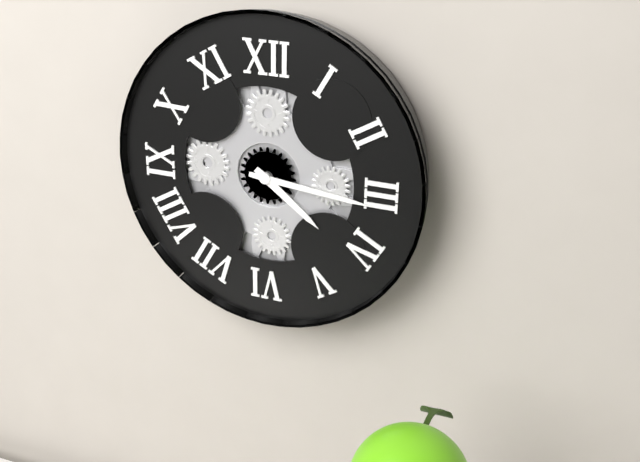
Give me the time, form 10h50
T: 4h16
